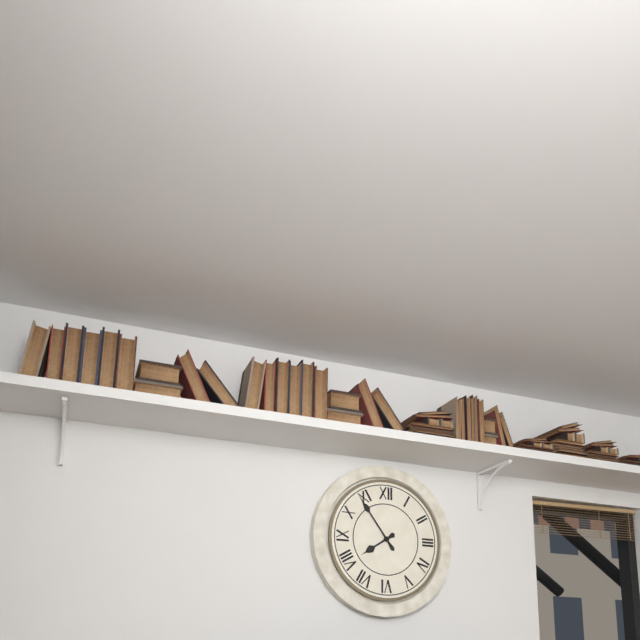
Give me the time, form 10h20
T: 7h54
